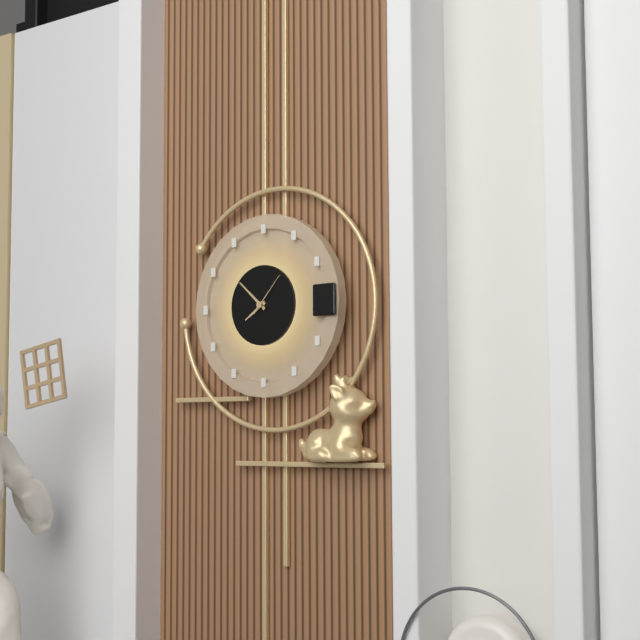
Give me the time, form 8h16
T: 7h52
